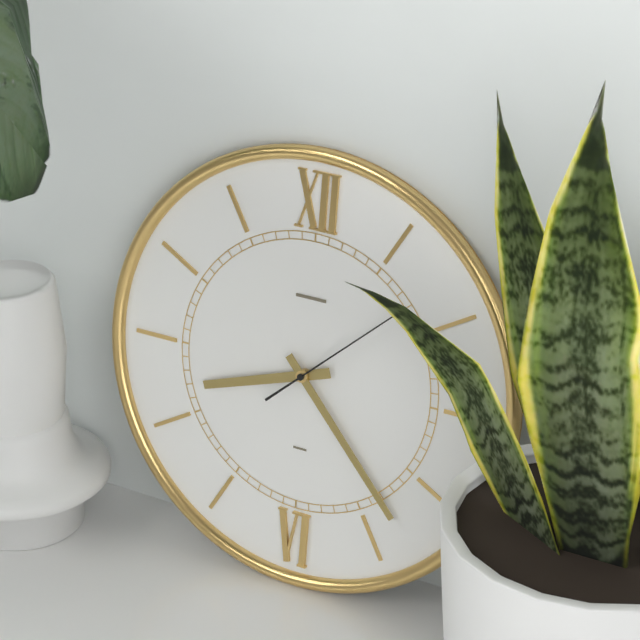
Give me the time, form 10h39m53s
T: 8h23m08s
